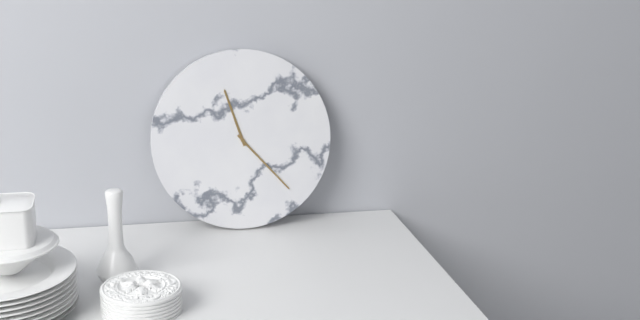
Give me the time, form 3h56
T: 11h23
